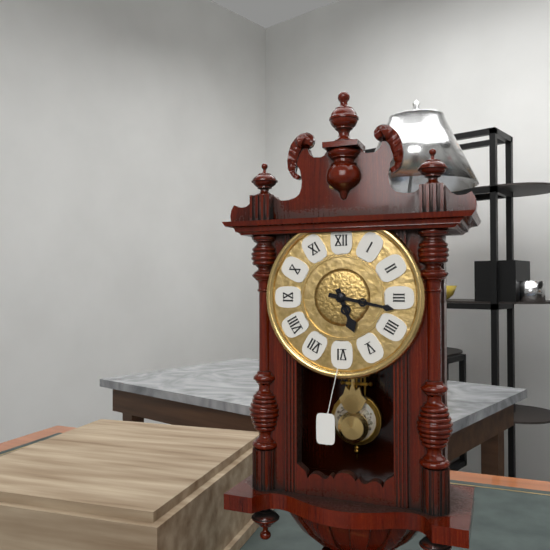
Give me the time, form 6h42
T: 5h17
